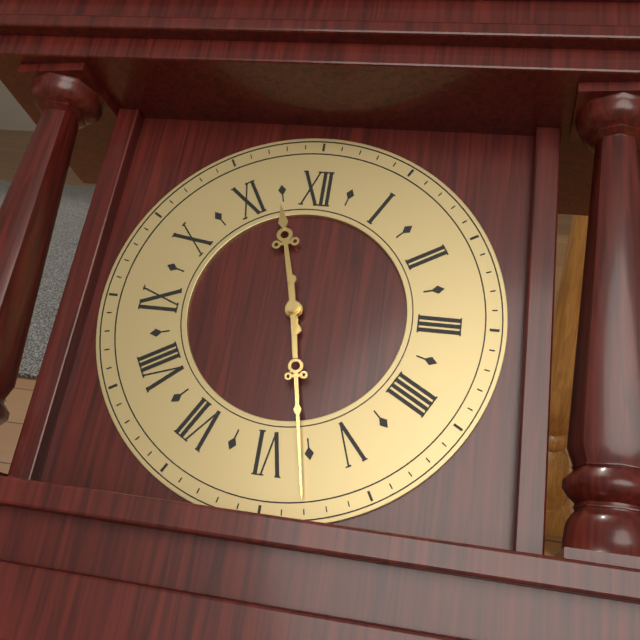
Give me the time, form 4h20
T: 11h28
